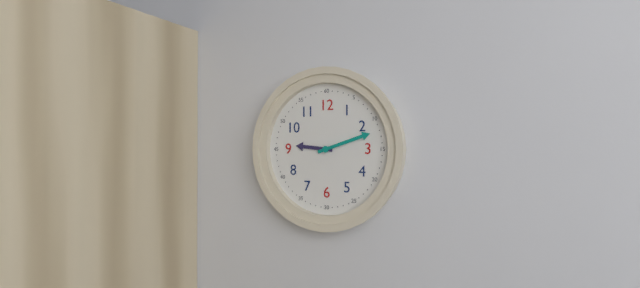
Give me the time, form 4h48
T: 9h12
